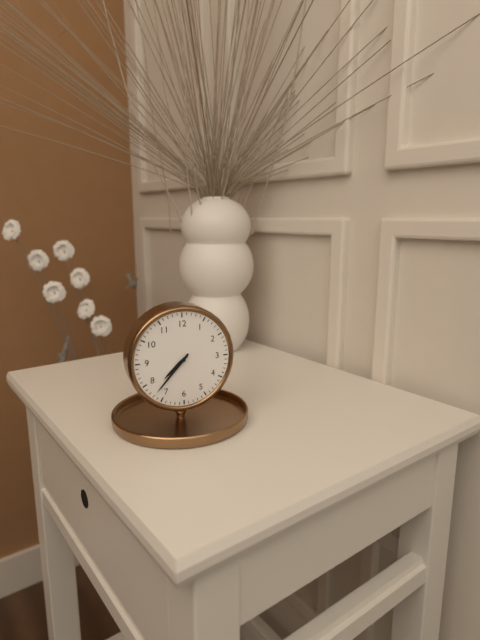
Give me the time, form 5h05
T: 7h37
